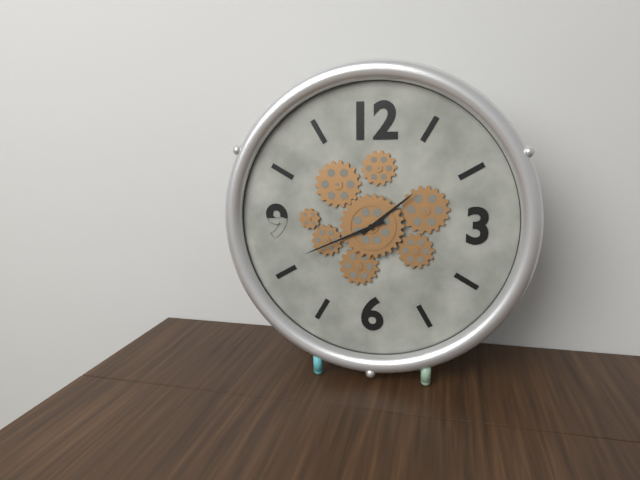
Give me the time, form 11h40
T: 1h41
